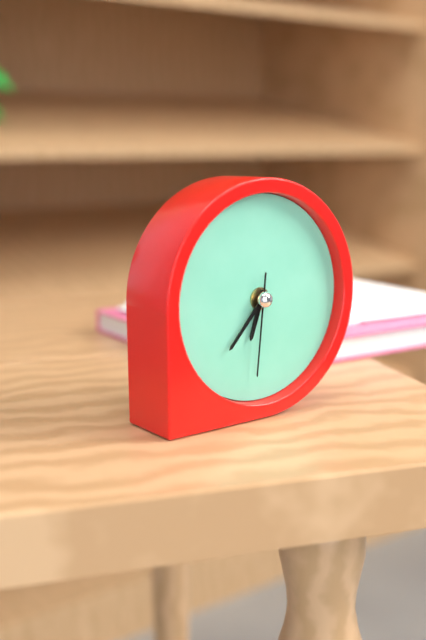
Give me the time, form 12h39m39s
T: 6h37m31s
